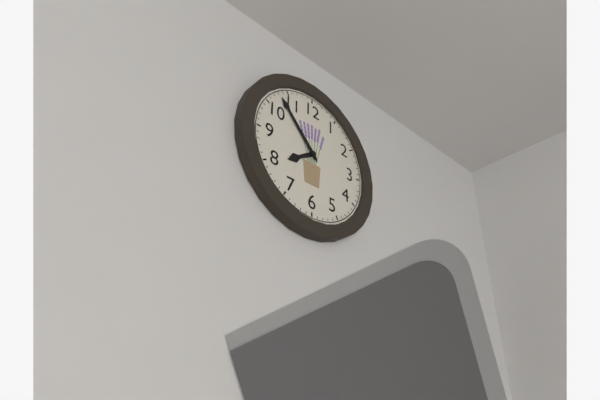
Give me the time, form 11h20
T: 7h53
